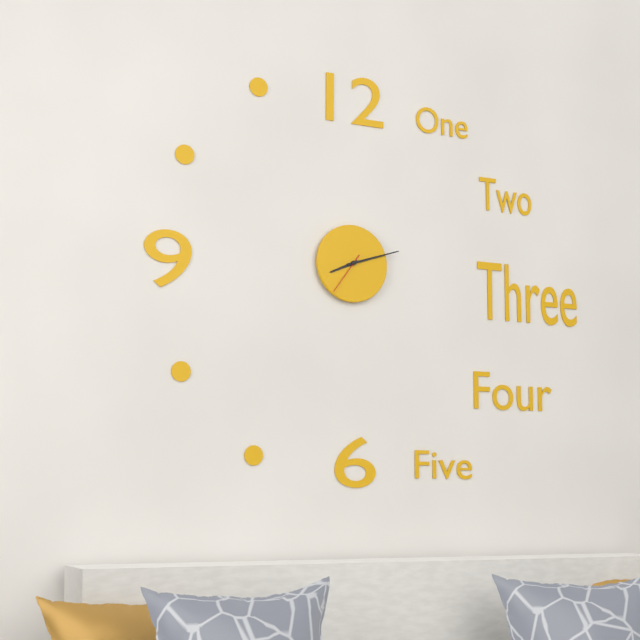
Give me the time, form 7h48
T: 8h12
